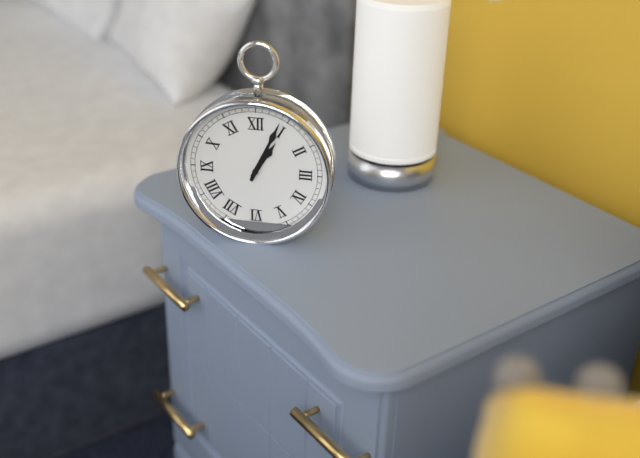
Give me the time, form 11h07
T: 1h04
